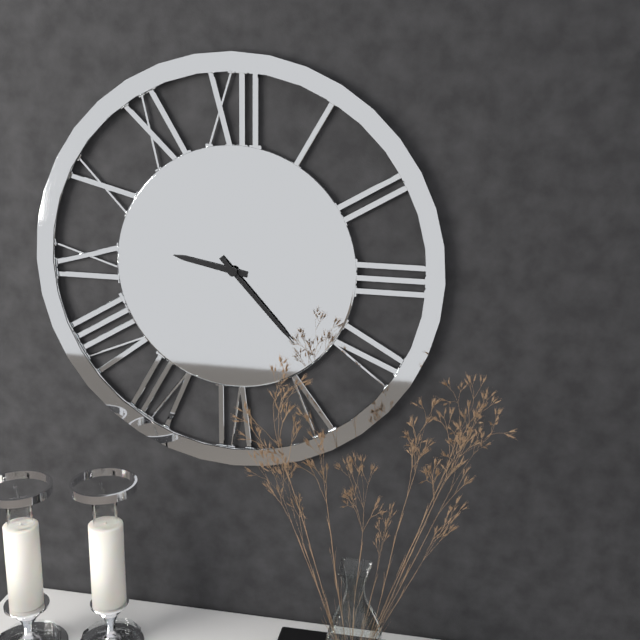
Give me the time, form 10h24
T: 9h23
